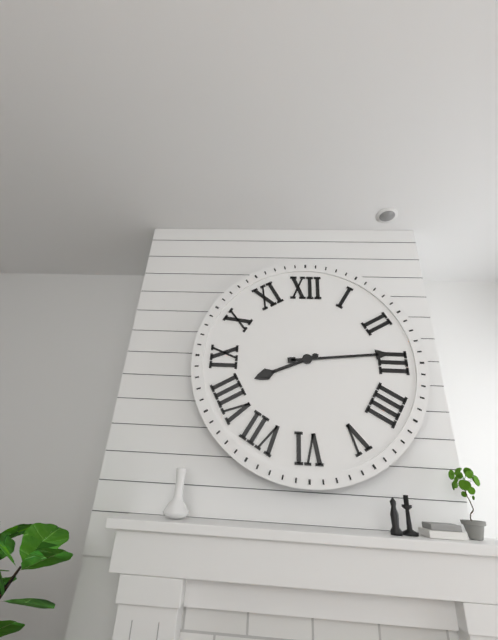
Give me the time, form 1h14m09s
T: 8h14m41s
